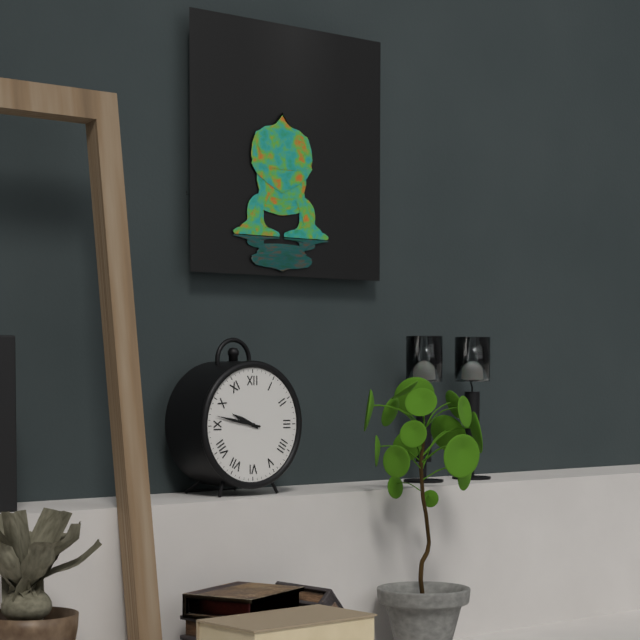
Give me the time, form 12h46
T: 9h47
